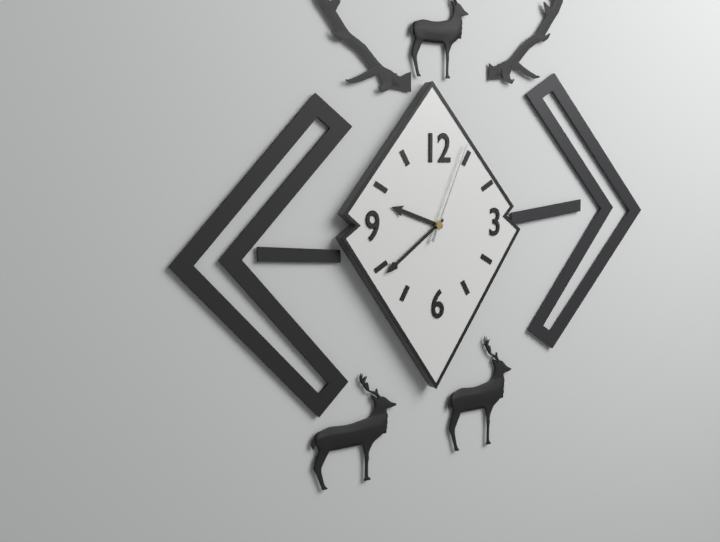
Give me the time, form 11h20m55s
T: 9h39m04s
